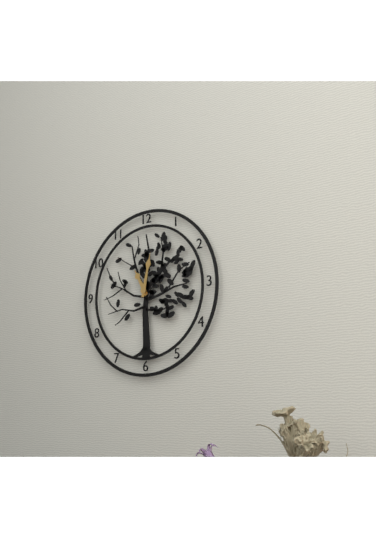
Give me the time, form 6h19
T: 11h02
